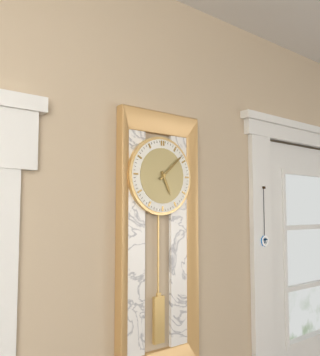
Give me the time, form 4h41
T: 5h08
